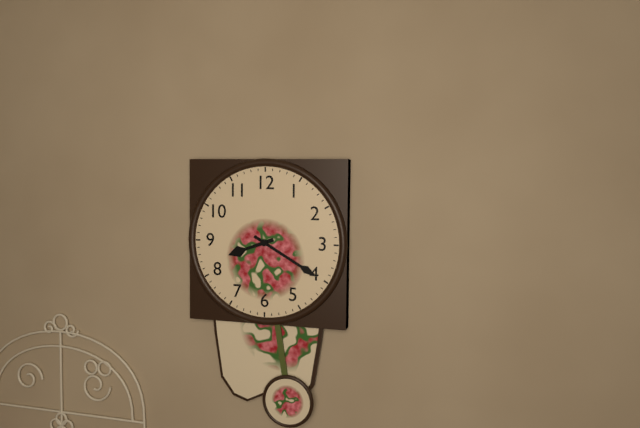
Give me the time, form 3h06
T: 8h20
